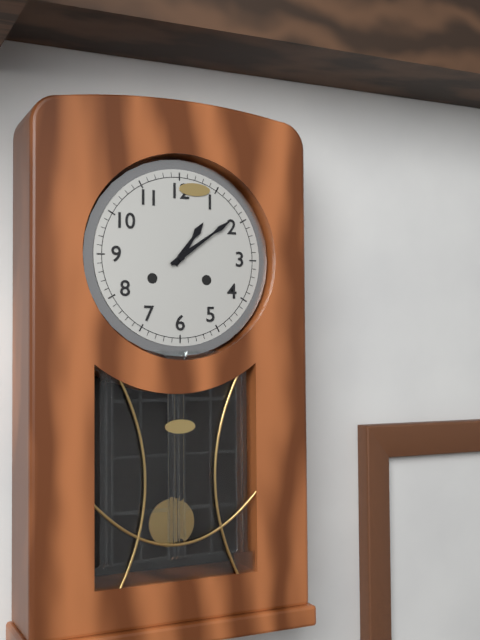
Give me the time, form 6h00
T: 1h09
